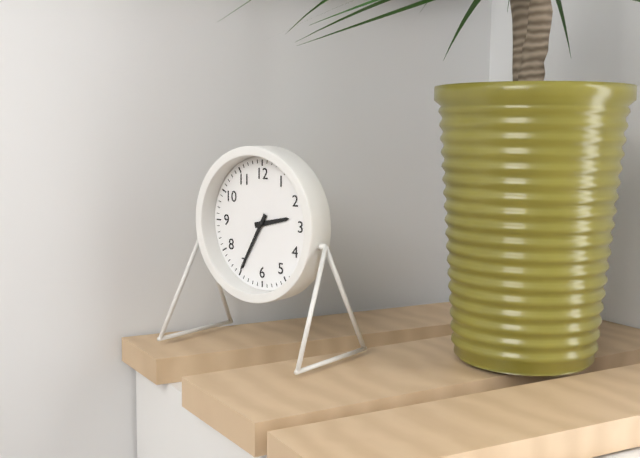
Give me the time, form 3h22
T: 2h35
